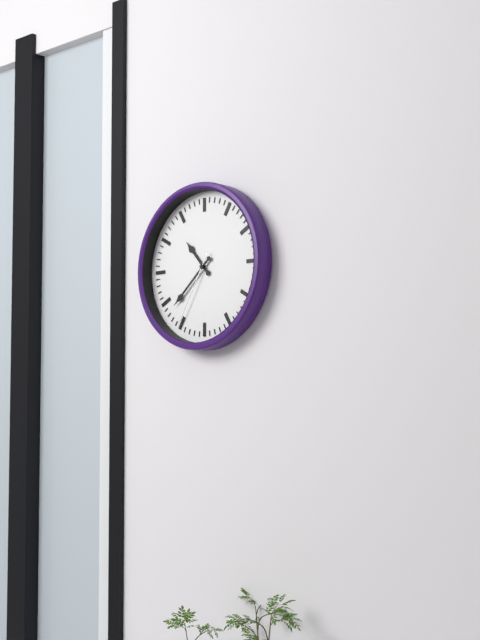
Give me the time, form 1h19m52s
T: 10h38m35s
